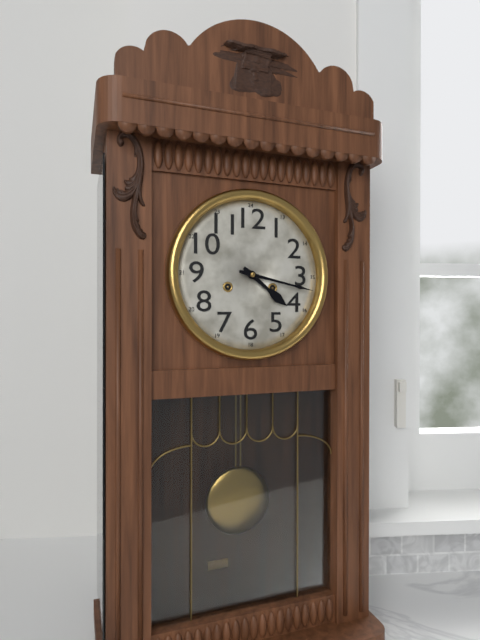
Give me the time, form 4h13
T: 4h17
